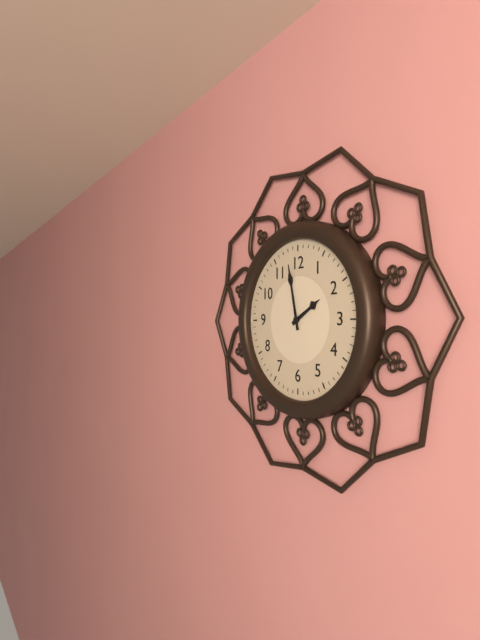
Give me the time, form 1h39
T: 1h58
